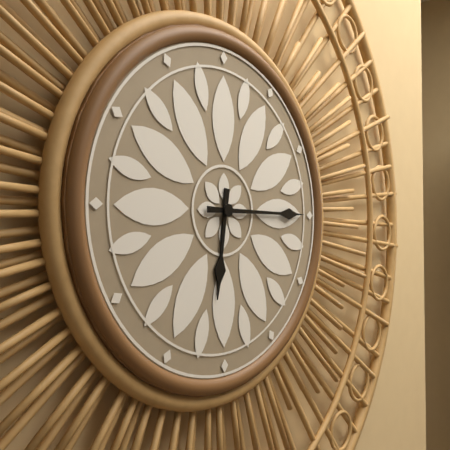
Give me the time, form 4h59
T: 6h15
